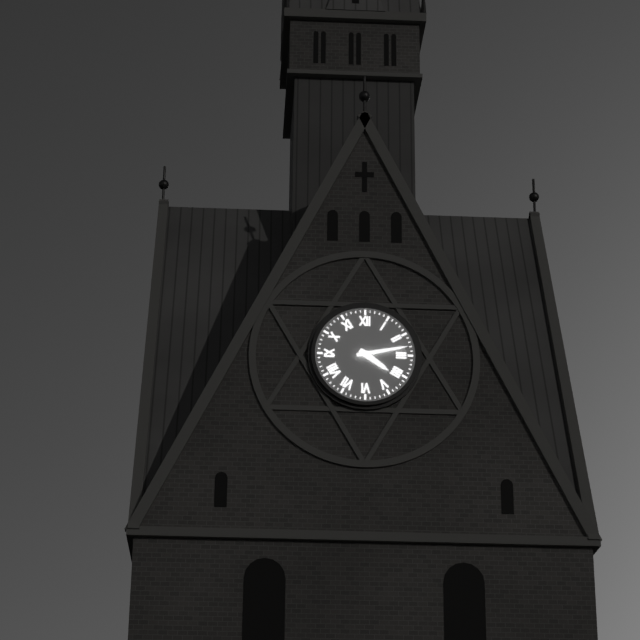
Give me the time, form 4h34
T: 4h13
